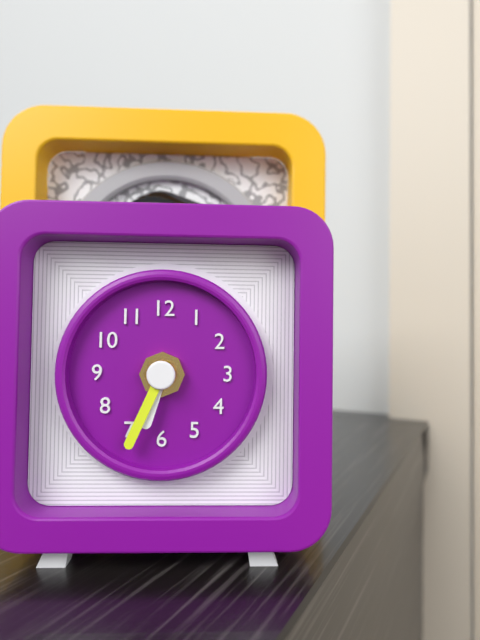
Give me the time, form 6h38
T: 6h34
